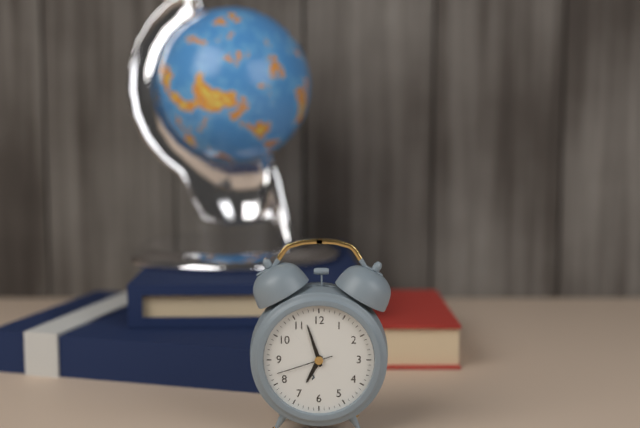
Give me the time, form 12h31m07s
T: 6h57m42s
